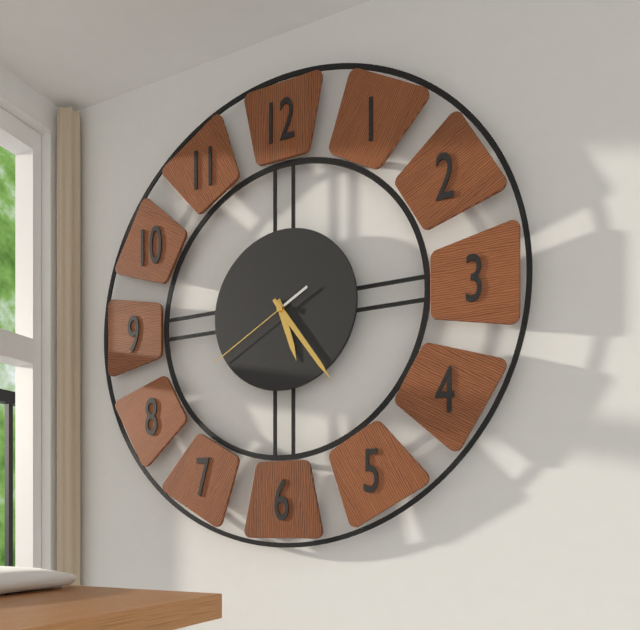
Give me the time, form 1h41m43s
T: 5h24m40s
